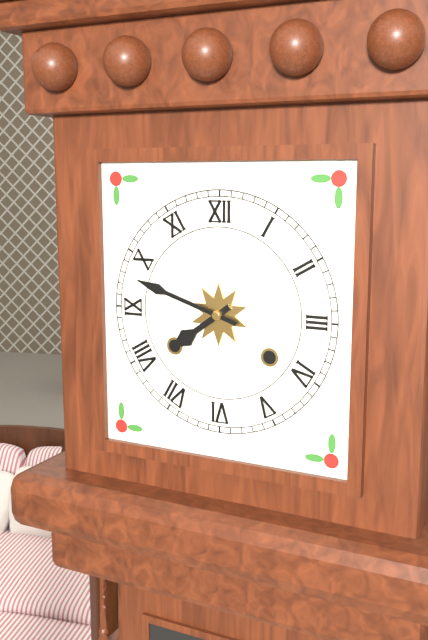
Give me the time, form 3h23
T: 7h48
